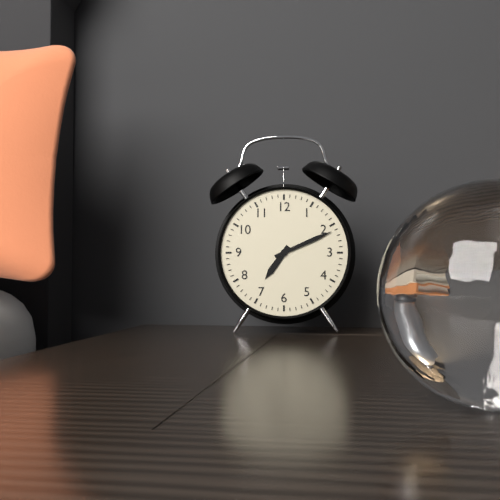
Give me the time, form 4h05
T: 7h11
